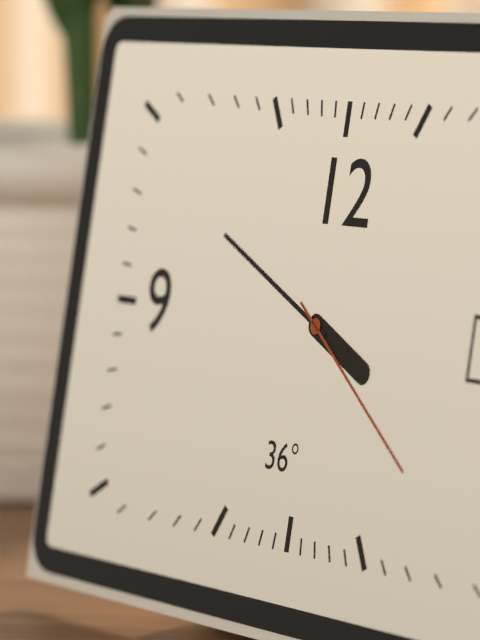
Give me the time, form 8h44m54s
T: 3h49m21s
